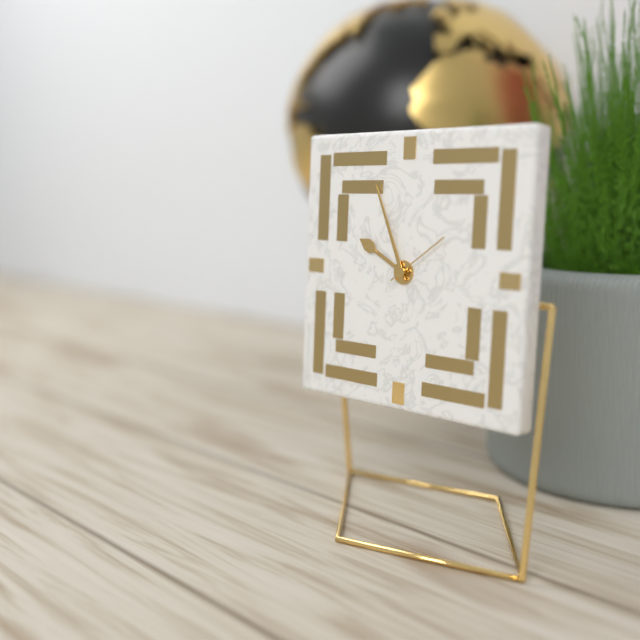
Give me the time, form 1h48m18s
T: 9h56m09s
